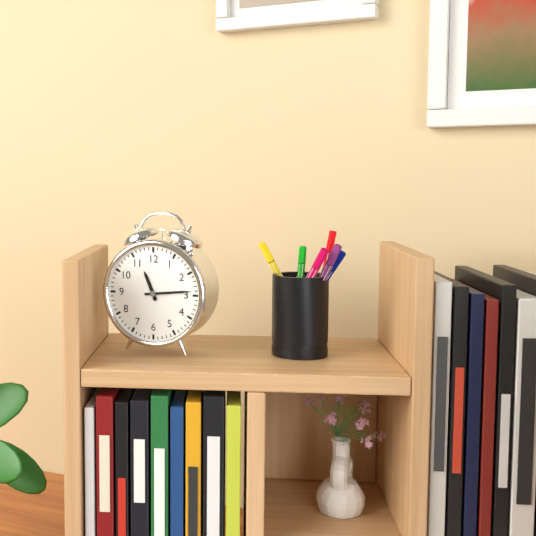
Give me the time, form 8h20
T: 11h14
